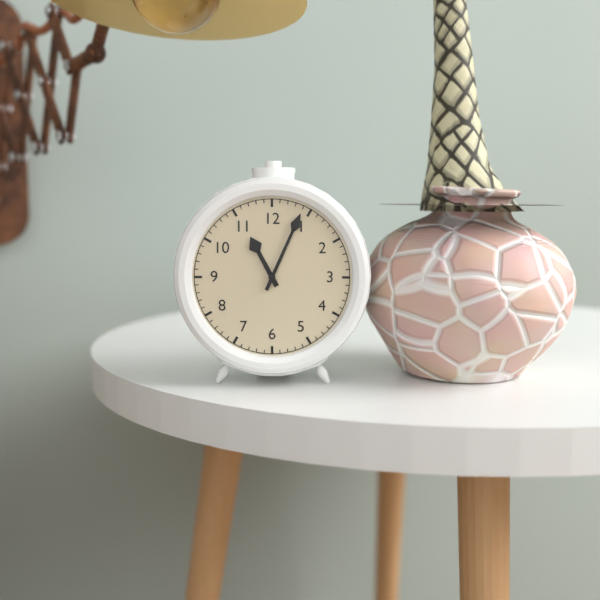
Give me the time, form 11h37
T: 11h04
